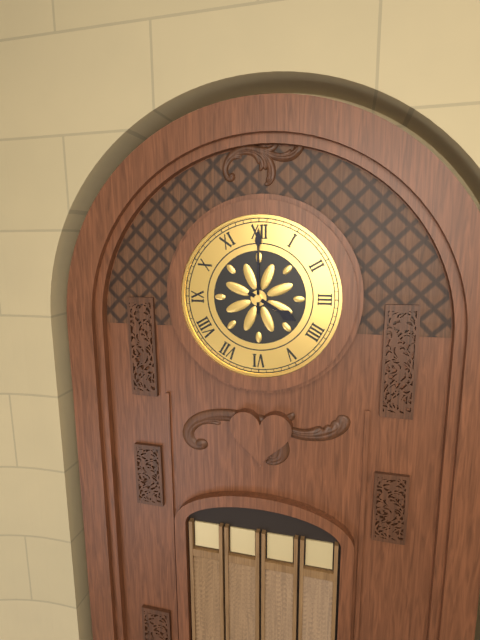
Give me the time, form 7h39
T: 4h00
